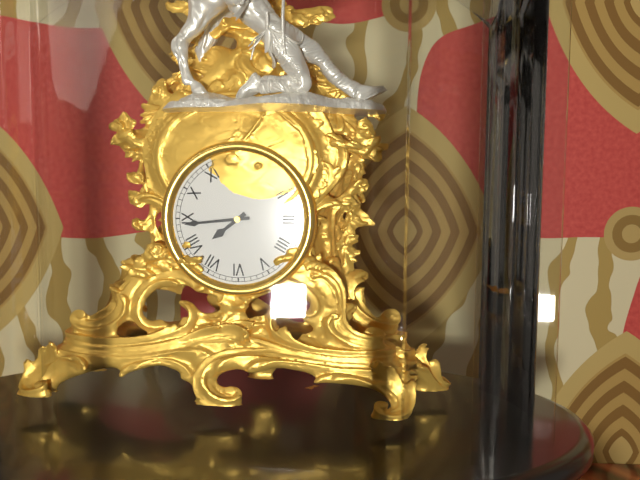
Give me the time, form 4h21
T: 7h44
